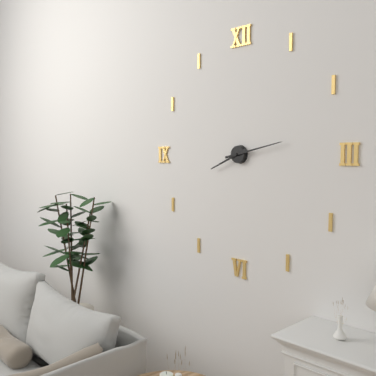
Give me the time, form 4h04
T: 8h13
